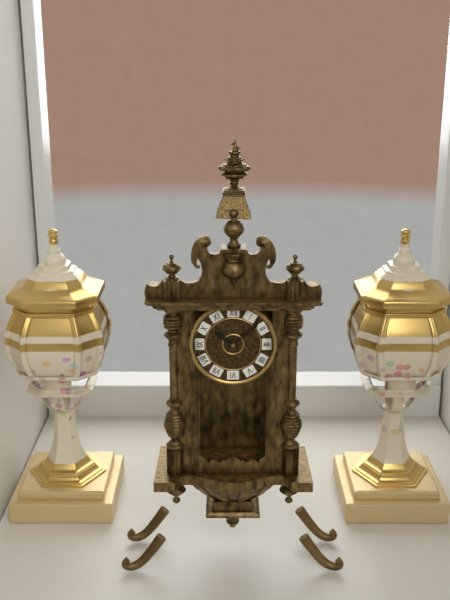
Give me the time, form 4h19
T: 10h08
